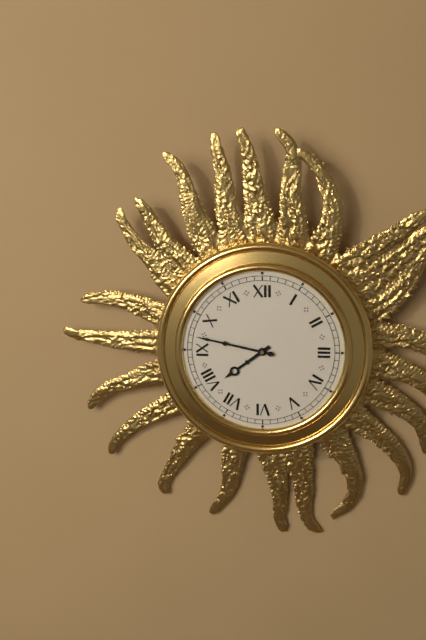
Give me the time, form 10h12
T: 7h47
